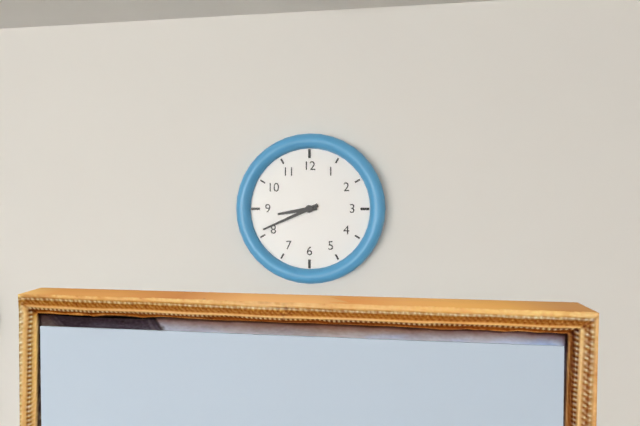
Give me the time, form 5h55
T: 8h41
